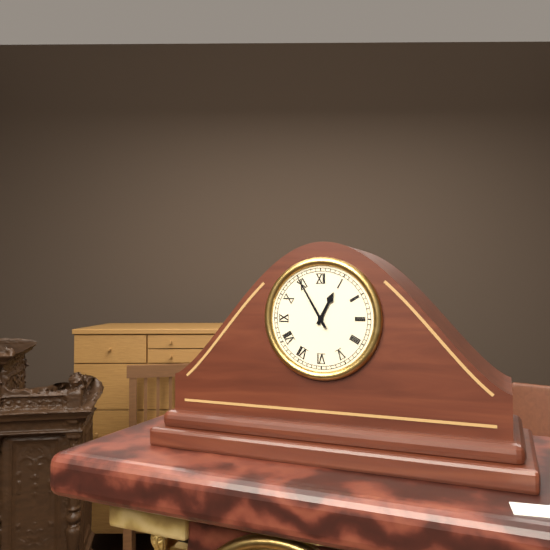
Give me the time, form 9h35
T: 12h55
